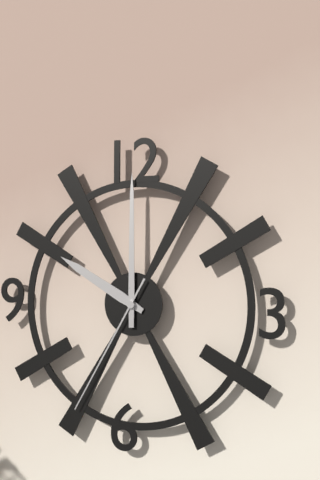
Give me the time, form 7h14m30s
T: 10h00m35s
